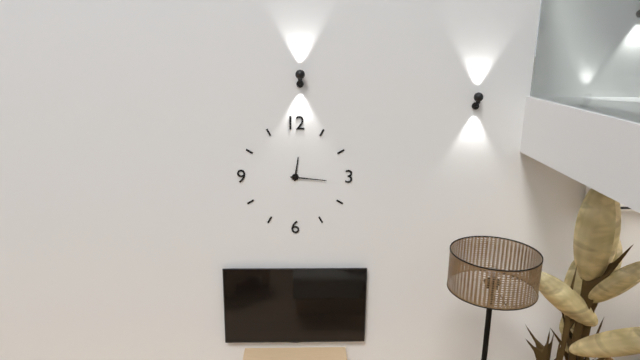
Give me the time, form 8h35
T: 12h16
